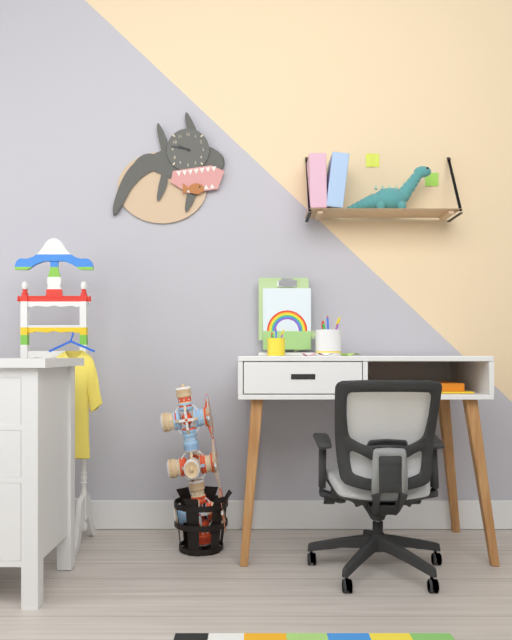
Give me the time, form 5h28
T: 9h47
